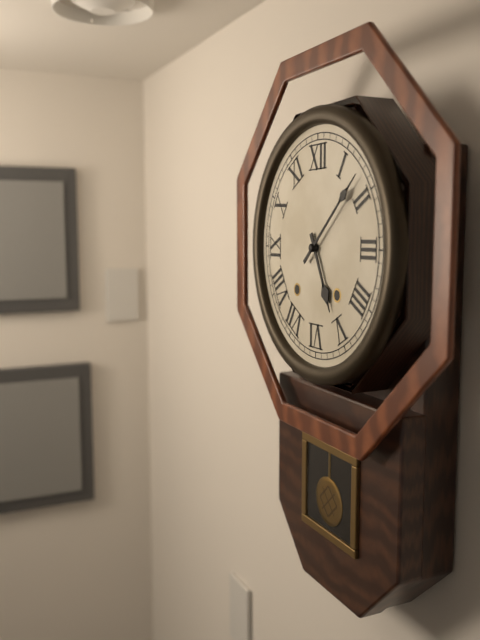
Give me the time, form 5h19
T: 5h08
